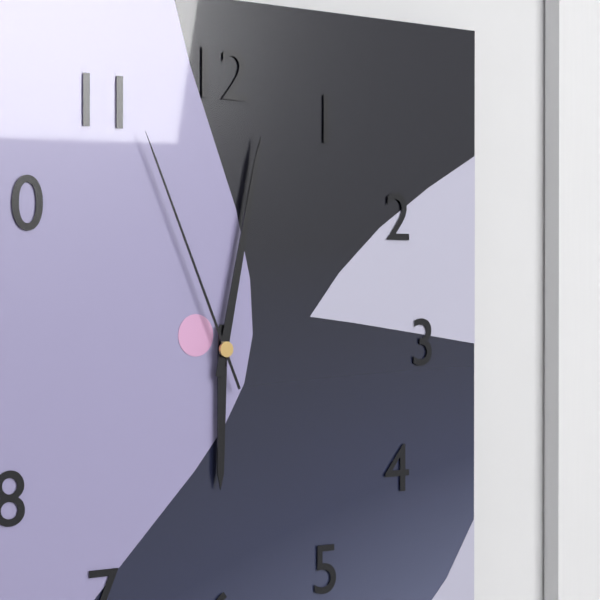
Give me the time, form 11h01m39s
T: 6h02m56s
